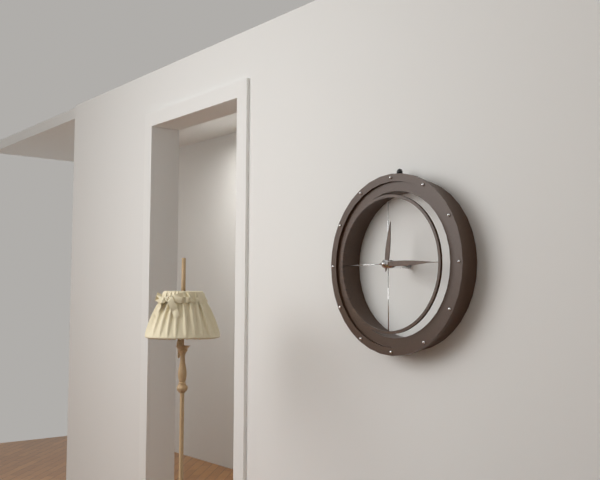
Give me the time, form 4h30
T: 12h15
